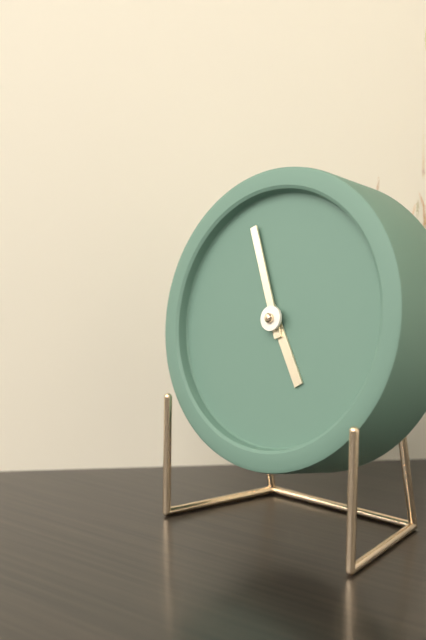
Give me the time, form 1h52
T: 4h56
